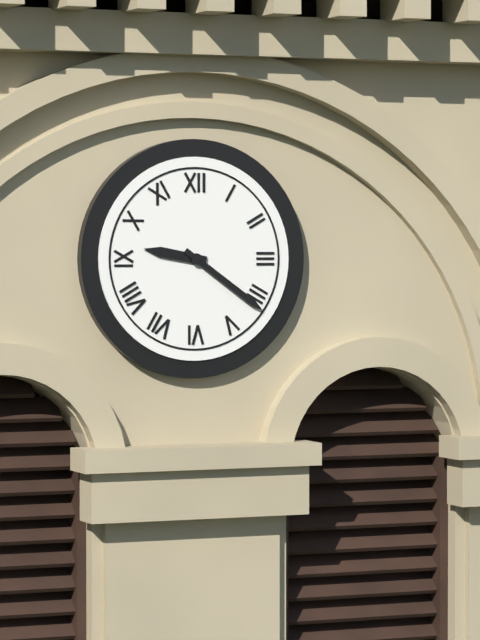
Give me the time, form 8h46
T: 9h21
